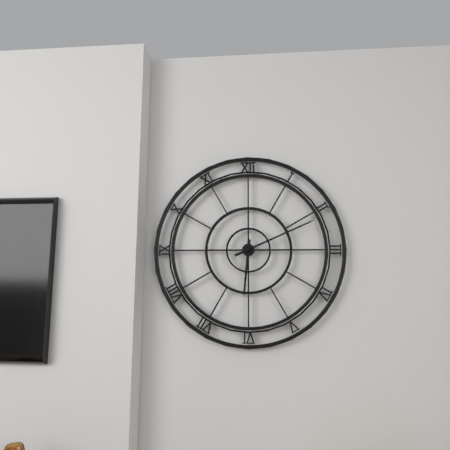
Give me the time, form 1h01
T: 6h11
